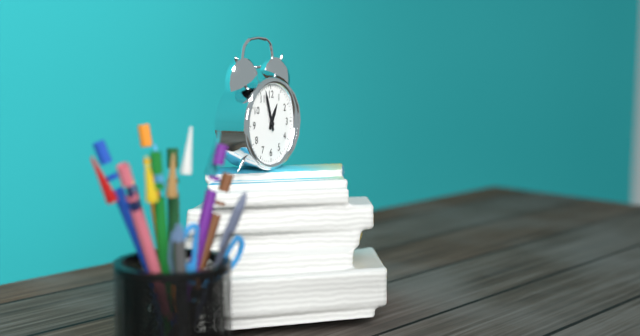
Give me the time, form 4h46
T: 12h57
